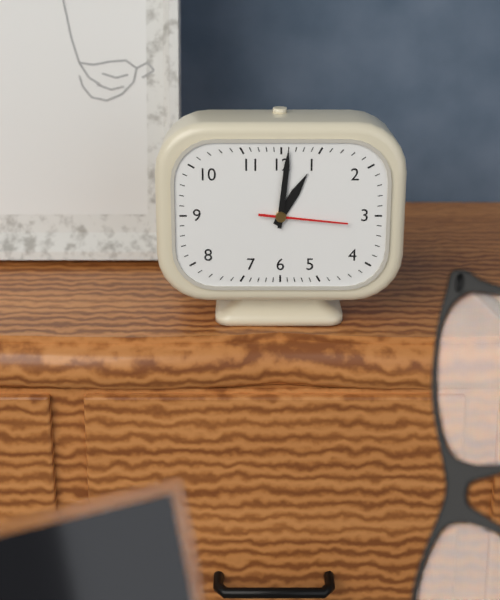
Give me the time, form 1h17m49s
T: 1h01m16s
